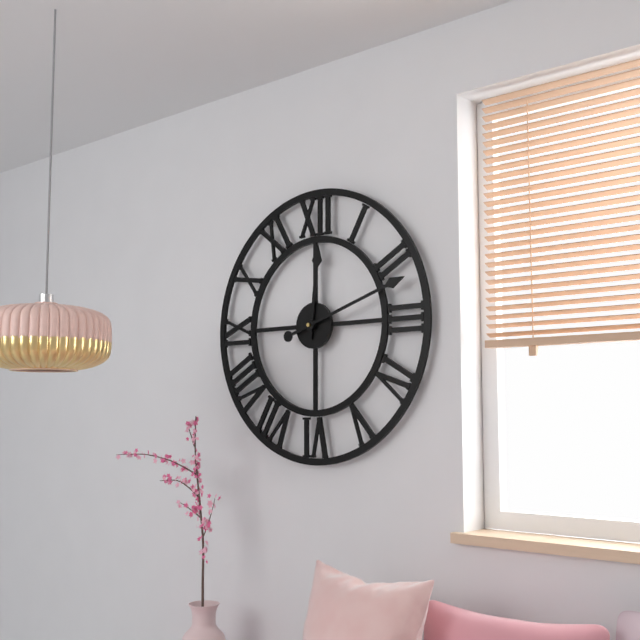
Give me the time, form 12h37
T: 12h12
